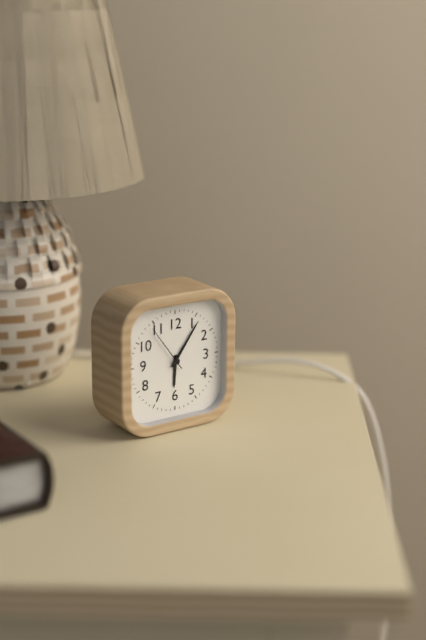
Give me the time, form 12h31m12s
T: 6h06m54s
